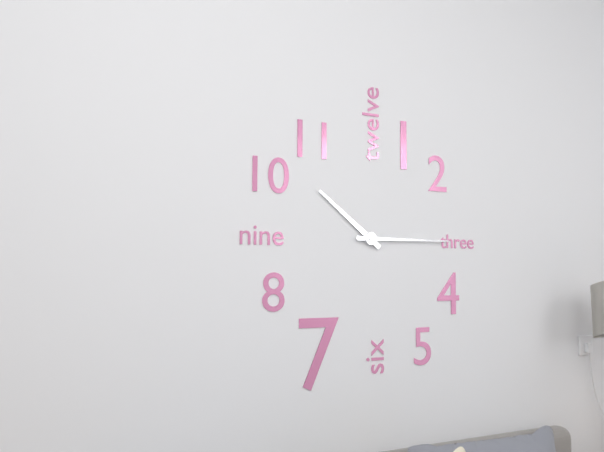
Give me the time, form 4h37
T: 10h15
